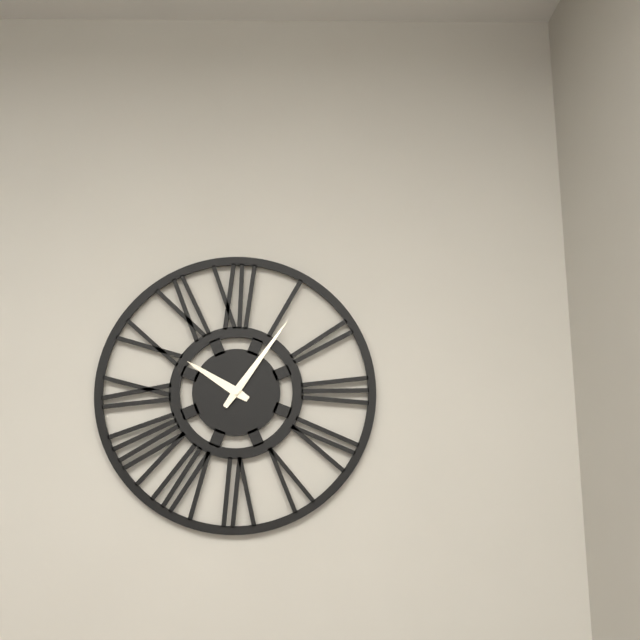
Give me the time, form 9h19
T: 10h06
